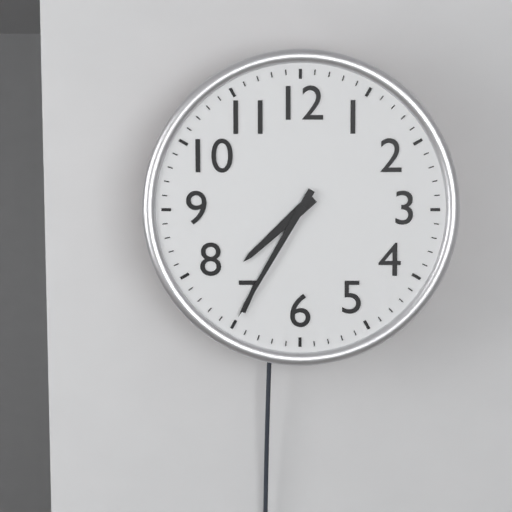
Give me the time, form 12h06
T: 7h35
